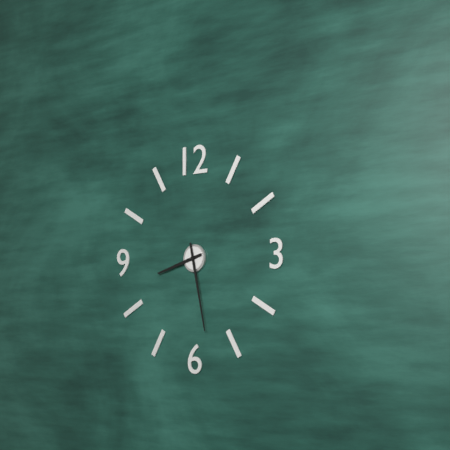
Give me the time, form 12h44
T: 8h28
